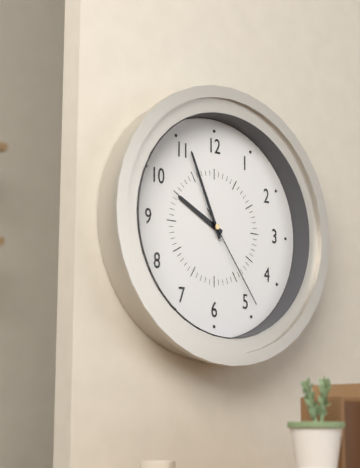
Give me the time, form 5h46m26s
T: 9h56m24s
